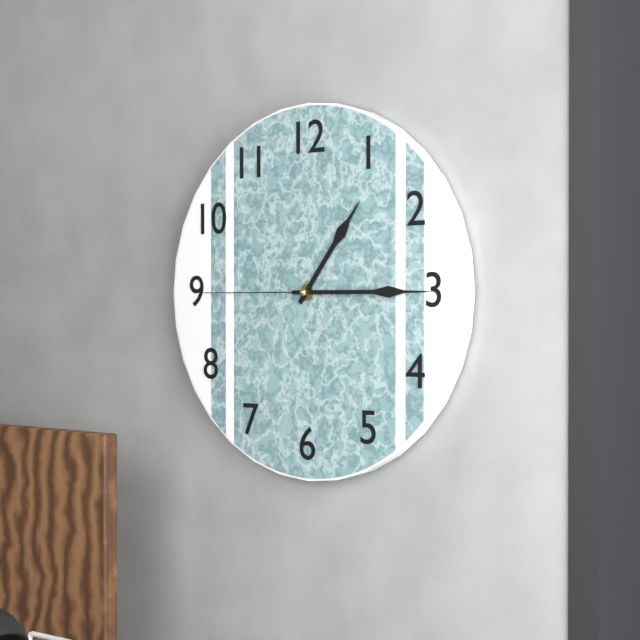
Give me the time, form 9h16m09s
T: 1h15m45s
